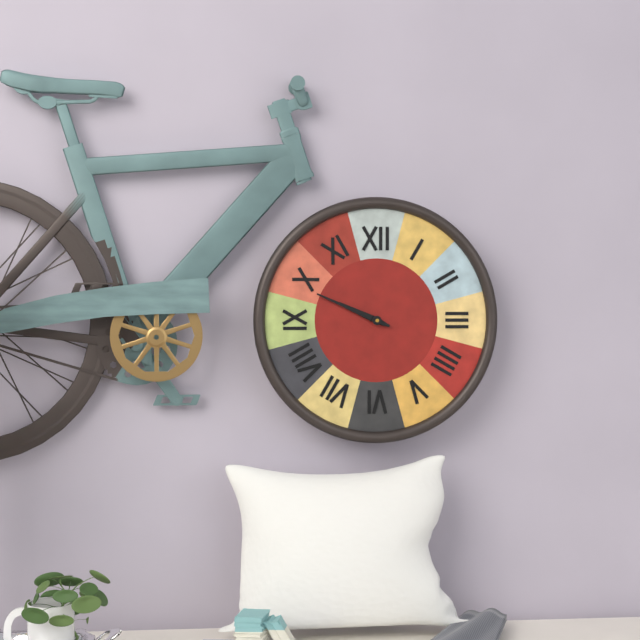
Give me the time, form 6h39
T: 9h49
